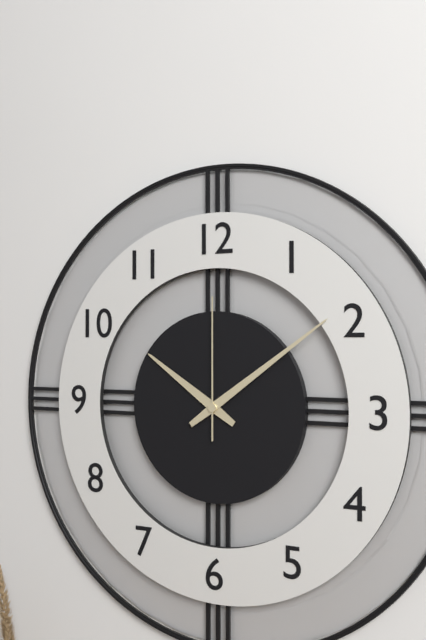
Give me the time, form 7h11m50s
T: 10h09m00s
